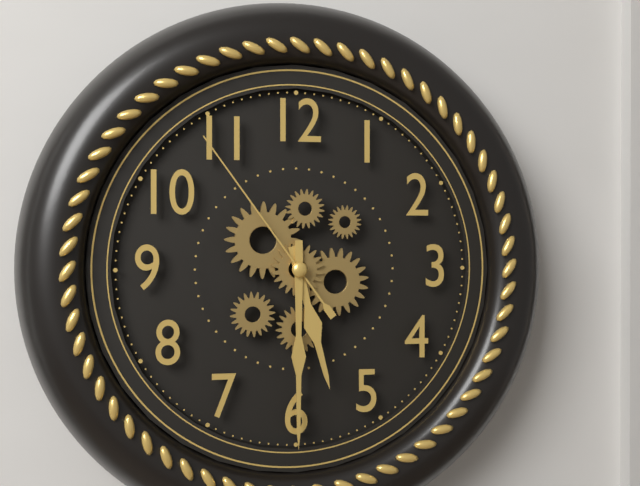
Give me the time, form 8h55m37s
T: 5h30m54s
